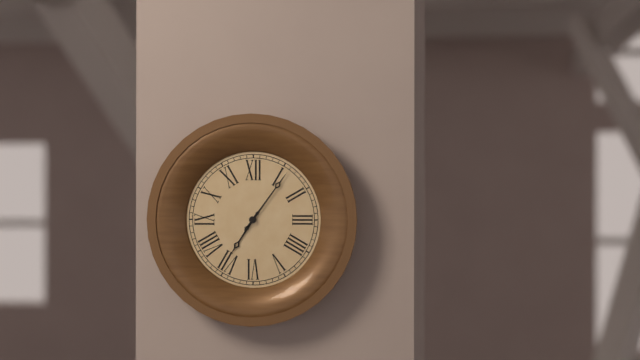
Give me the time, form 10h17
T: 7h06
